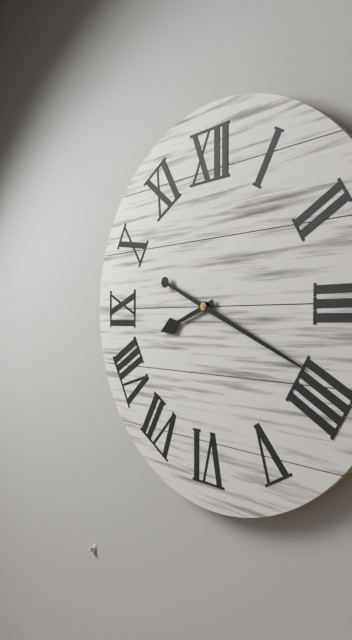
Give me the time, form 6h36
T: 8h19
